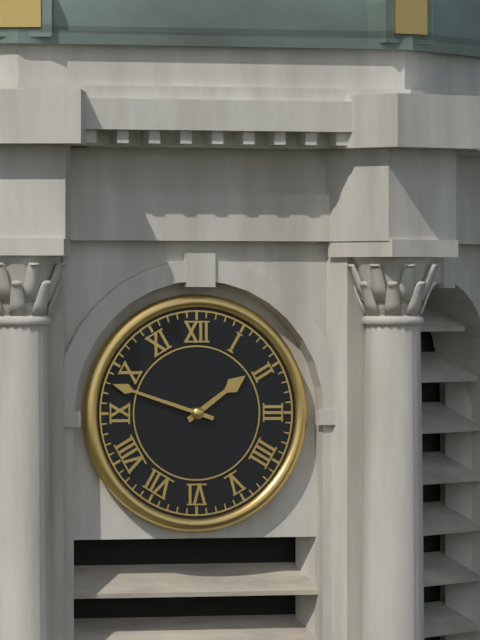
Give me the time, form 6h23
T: 1h48
